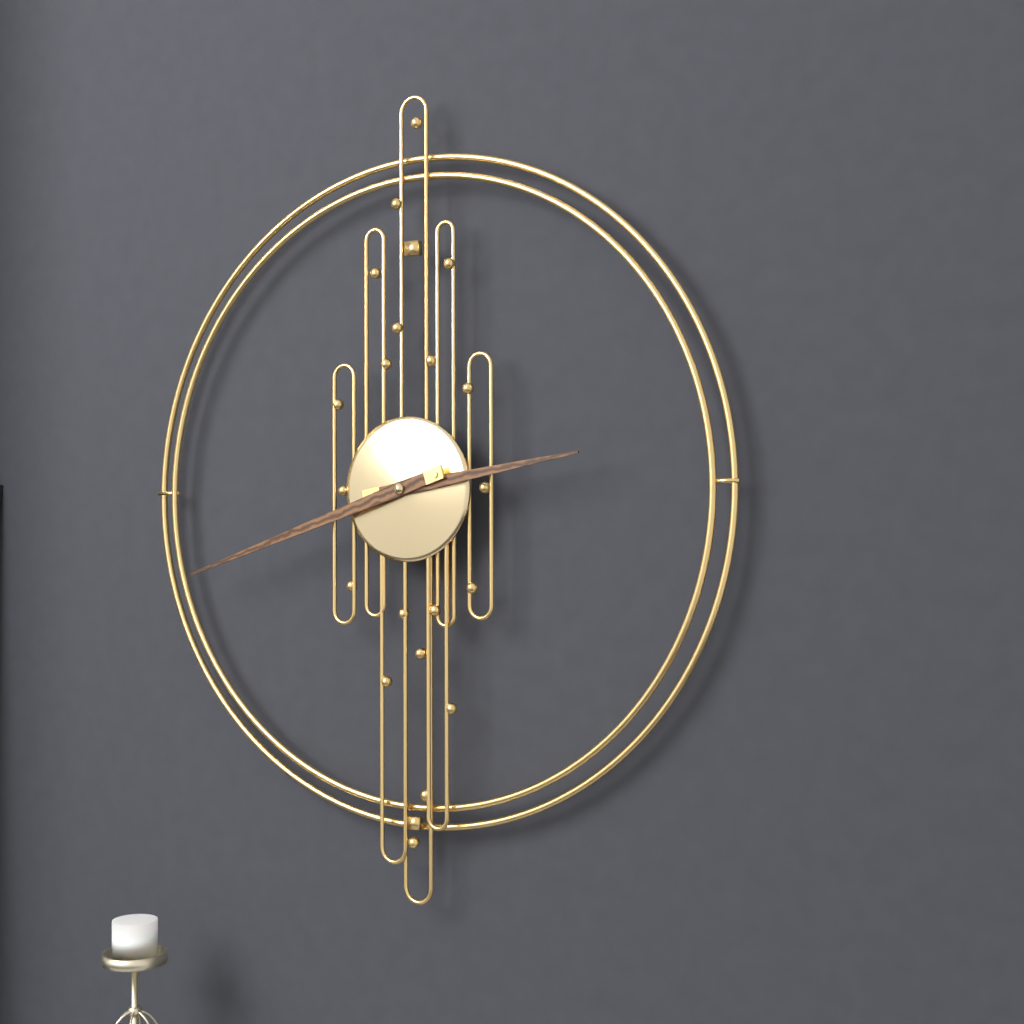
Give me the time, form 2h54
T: 2h42
